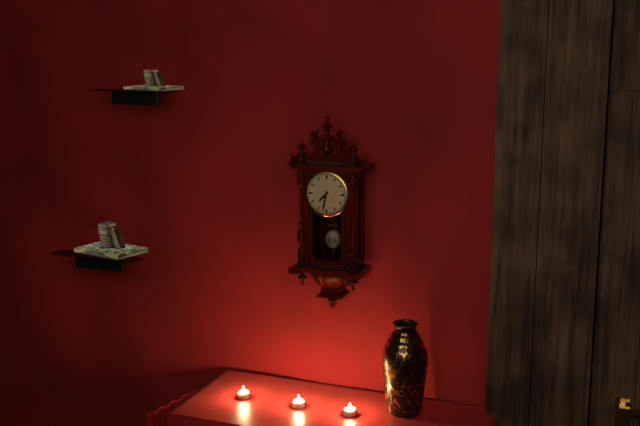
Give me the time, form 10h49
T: 7h32
